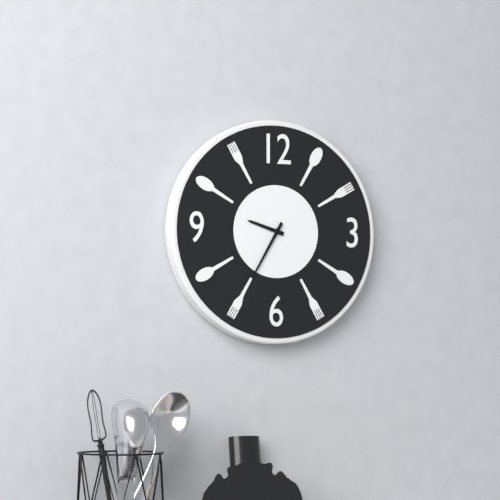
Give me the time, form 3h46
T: 9h35
